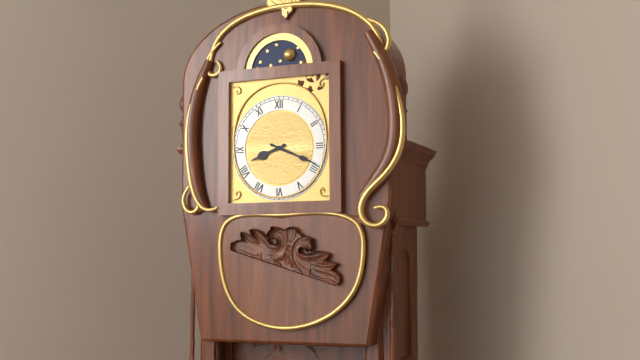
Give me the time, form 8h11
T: 8h19
